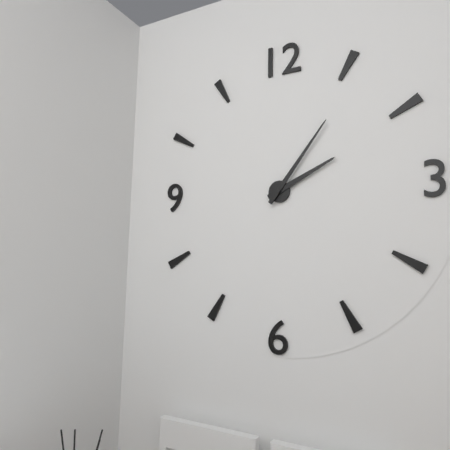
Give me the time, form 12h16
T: 2h06
